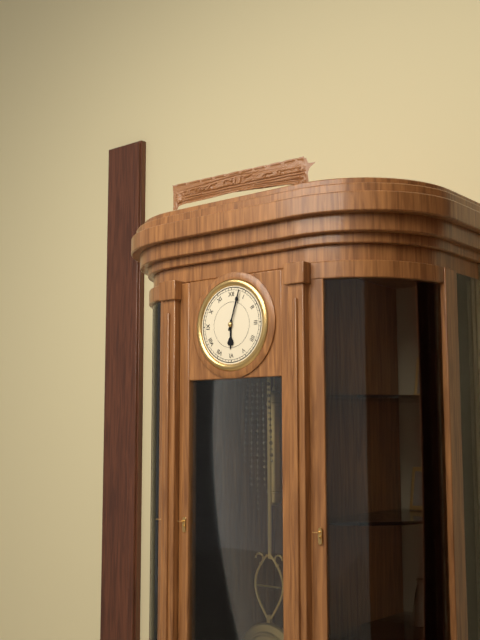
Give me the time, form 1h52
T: 6h03
